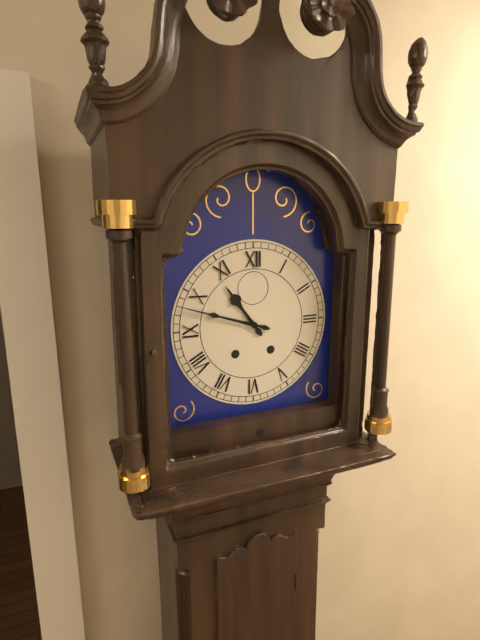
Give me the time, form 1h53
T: 10h48
